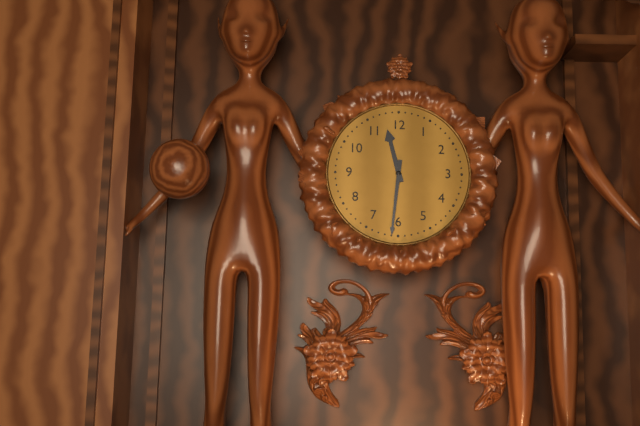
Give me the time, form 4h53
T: 11h31
